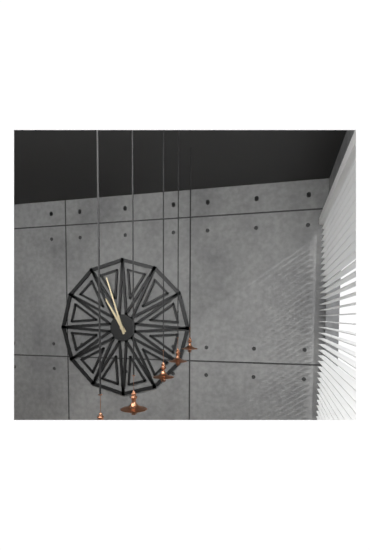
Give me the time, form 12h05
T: 10h57
